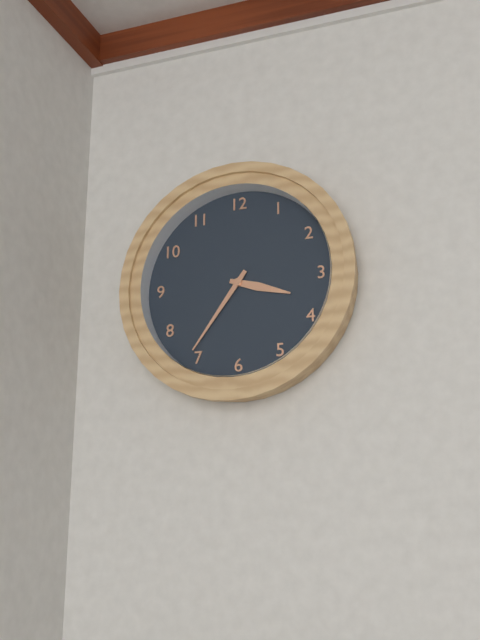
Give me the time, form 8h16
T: 3h36
